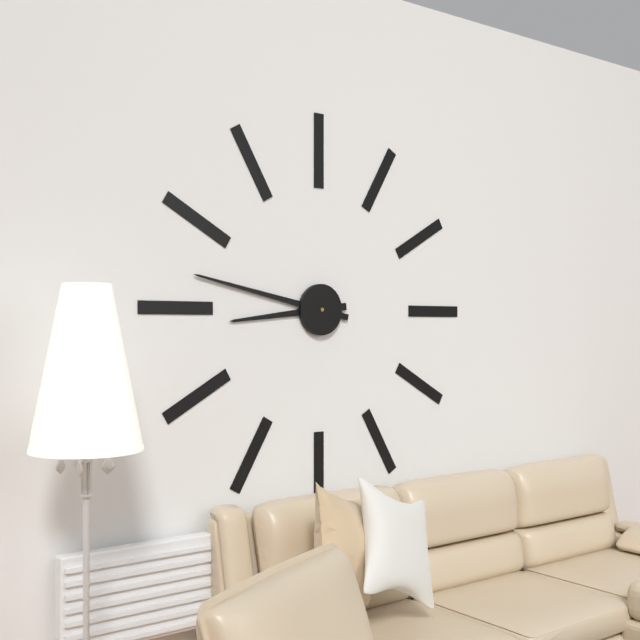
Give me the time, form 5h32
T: 8h47
